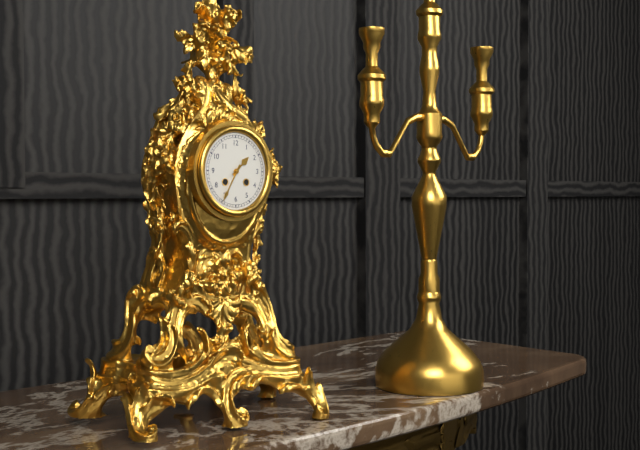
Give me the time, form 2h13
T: 1h35
